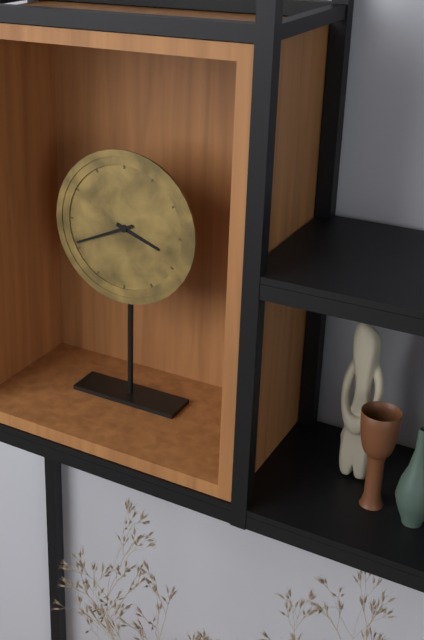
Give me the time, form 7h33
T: 3h41
